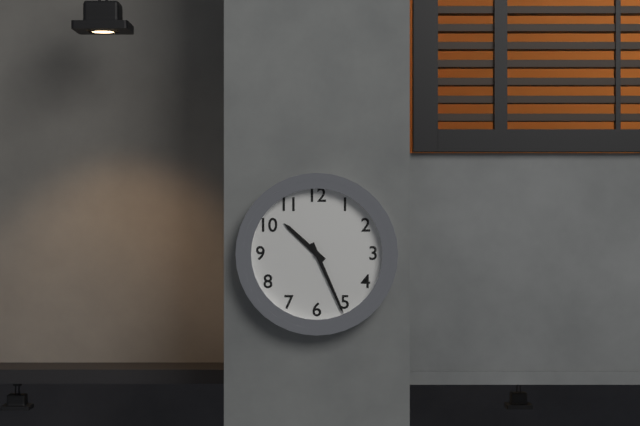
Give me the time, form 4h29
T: 10h26
